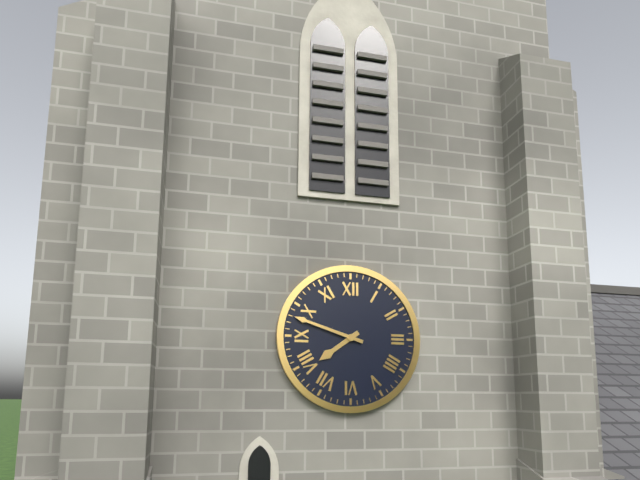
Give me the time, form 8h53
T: 7h48
